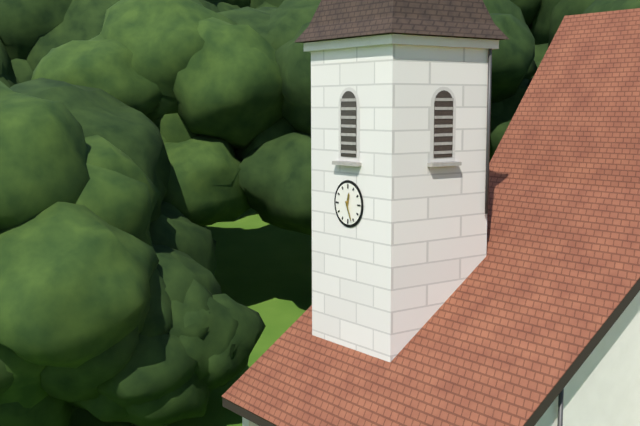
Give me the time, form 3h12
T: 12h26
